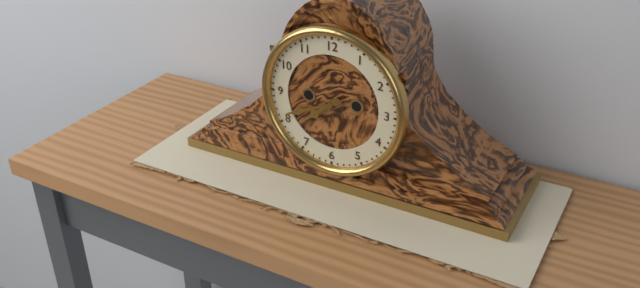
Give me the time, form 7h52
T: 7h41
